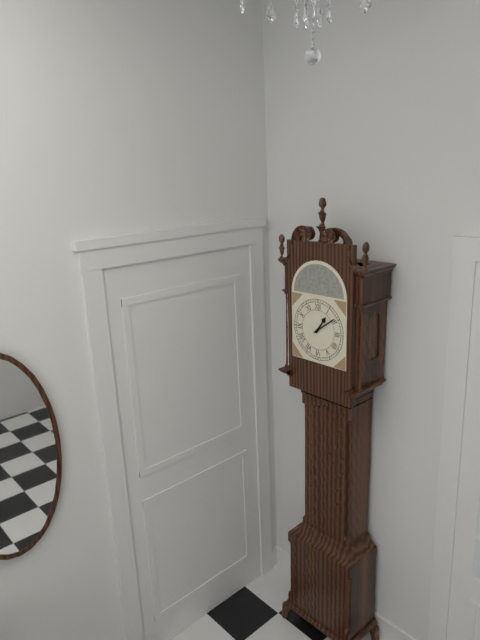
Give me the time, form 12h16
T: 1h09
